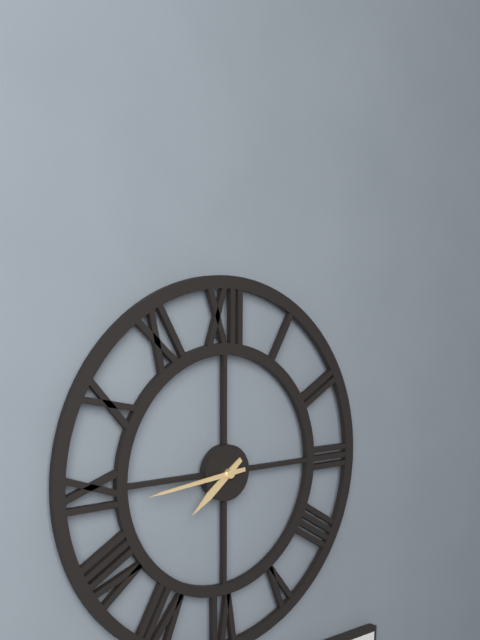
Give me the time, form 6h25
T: 7h44
